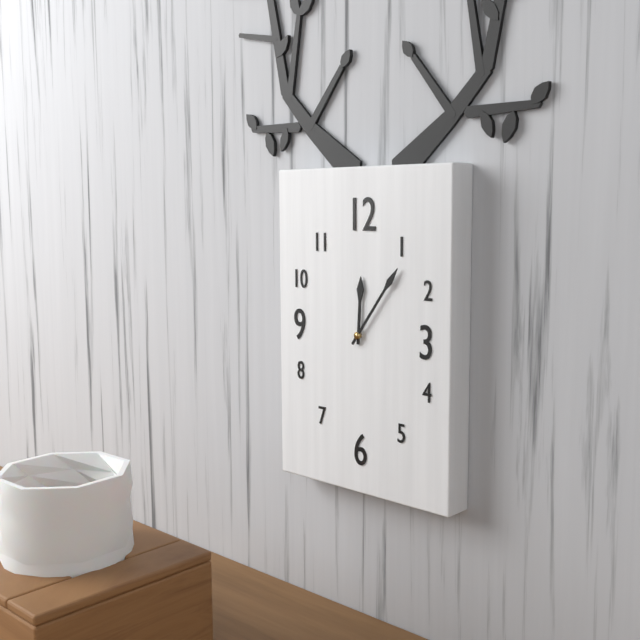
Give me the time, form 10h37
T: 12h06
